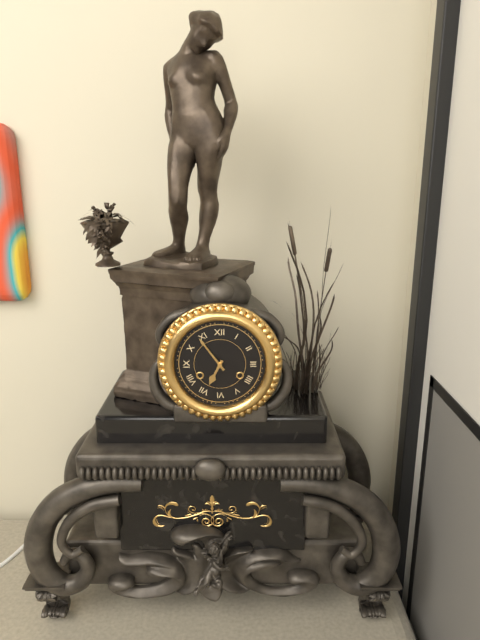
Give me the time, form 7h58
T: 6h54
